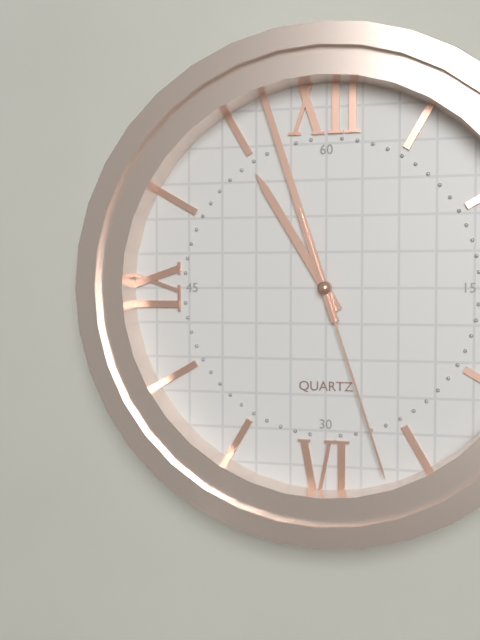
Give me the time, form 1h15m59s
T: 10h57m27s
